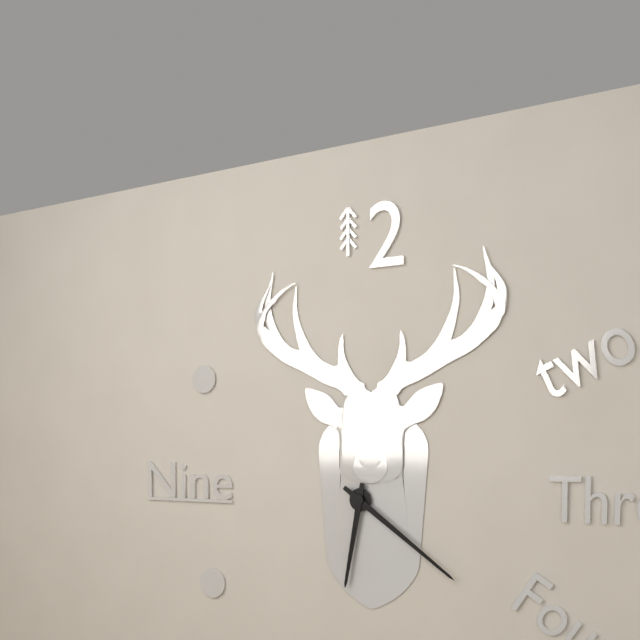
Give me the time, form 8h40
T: 6h21
